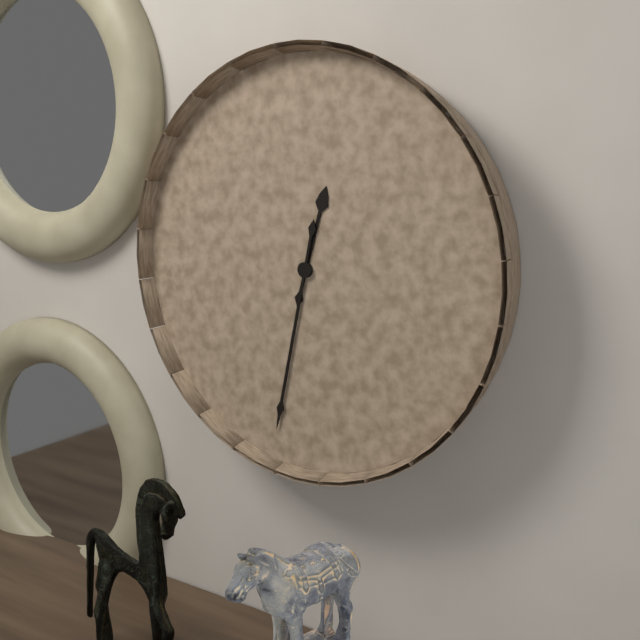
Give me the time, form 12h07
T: 12h32
